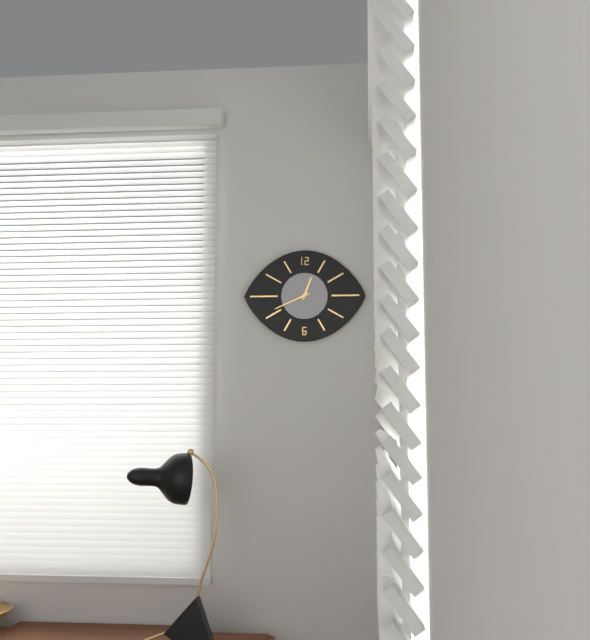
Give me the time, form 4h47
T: 12h41
